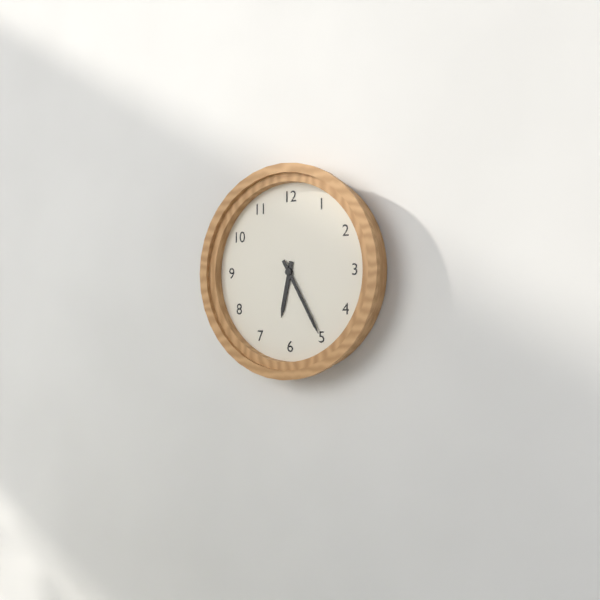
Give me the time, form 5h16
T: 6h25
